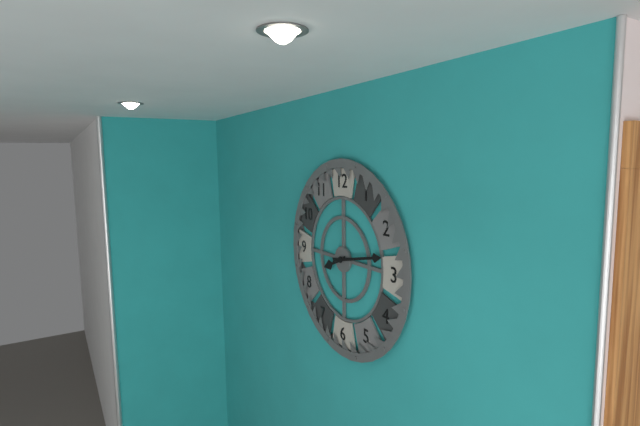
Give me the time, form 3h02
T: 8h13
